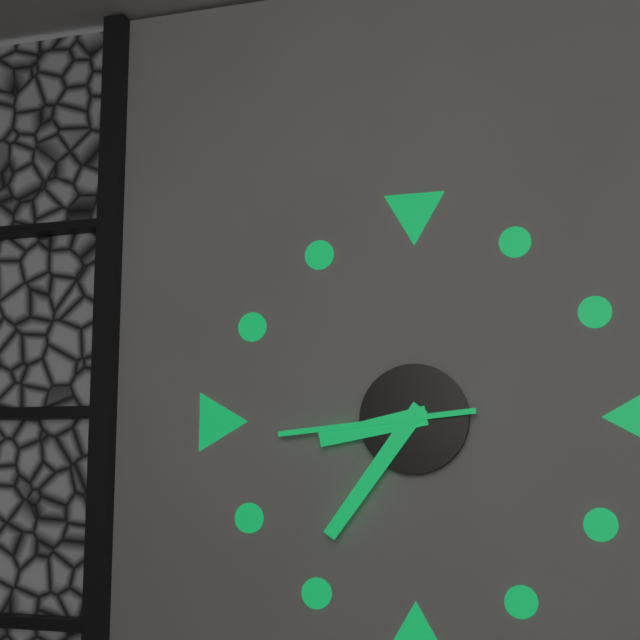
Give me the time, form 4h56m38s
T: 8h36m44s
